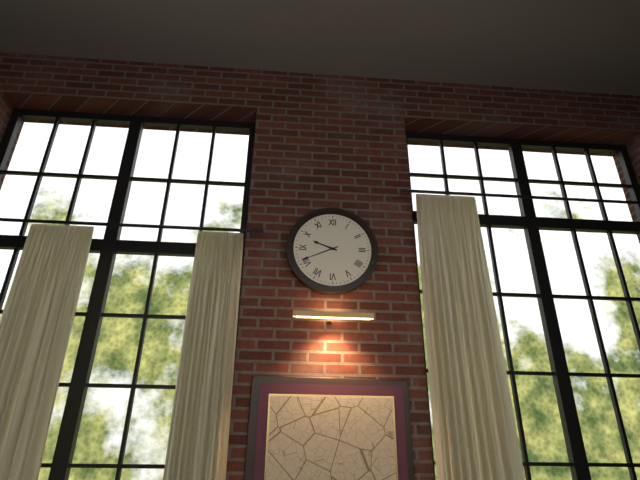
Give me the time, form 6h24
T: 9h41
